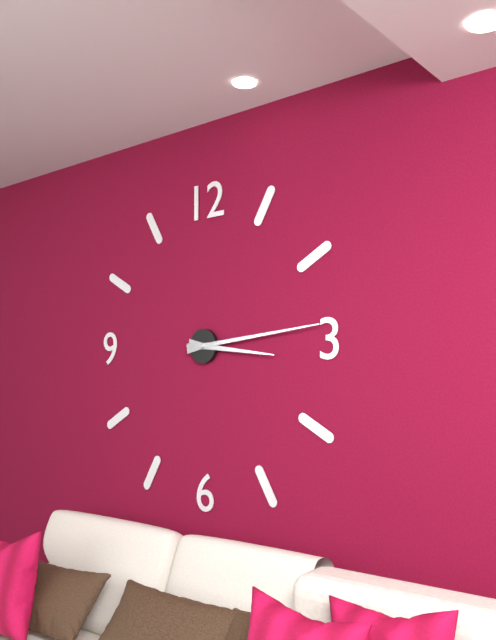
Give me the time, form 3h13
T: 3h14
